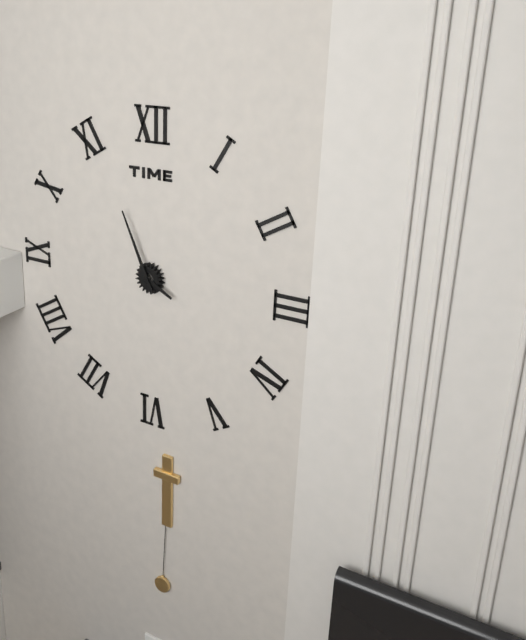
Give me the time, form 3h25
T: 3h56
